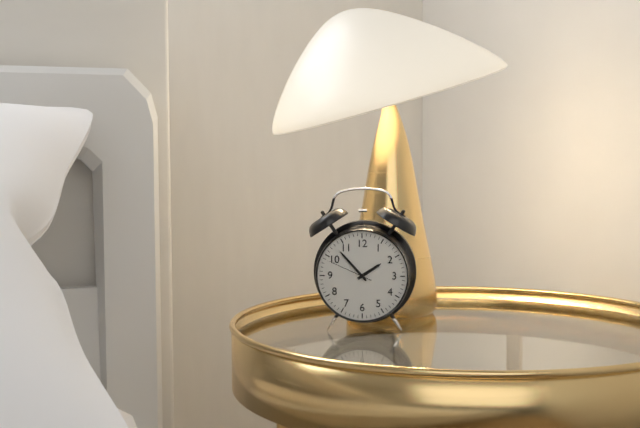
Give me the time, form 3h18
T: 1h53
